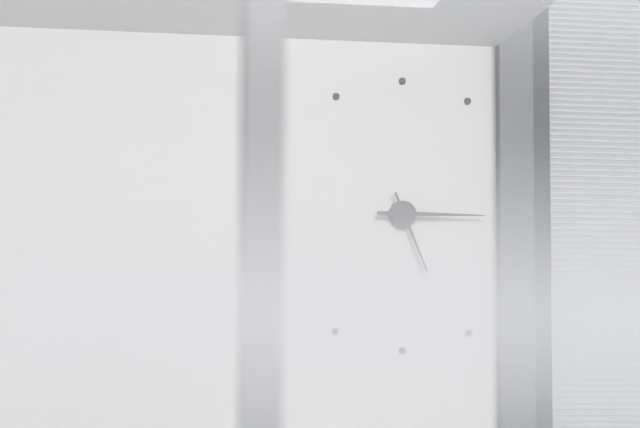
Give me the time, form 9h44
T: 5h15
